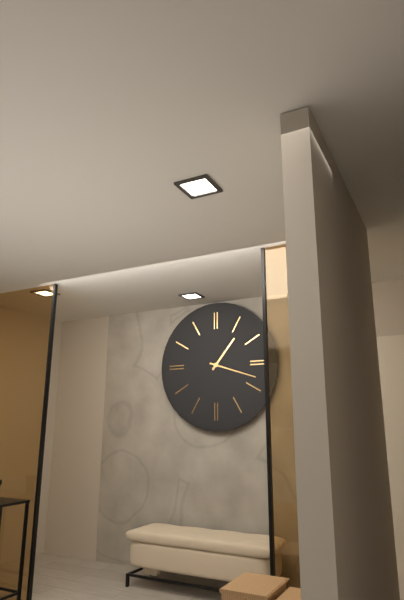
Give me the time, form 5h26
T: 1h18
